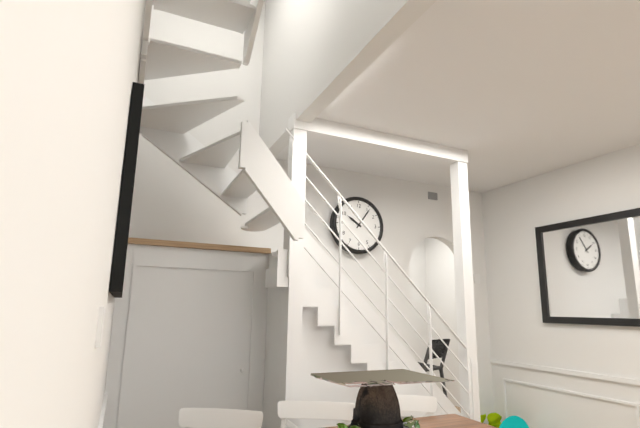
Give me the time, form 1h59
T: 10h06
